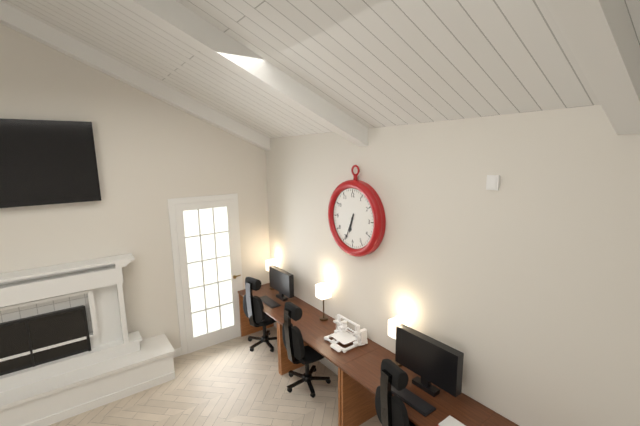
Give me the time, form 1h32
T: 6h34
